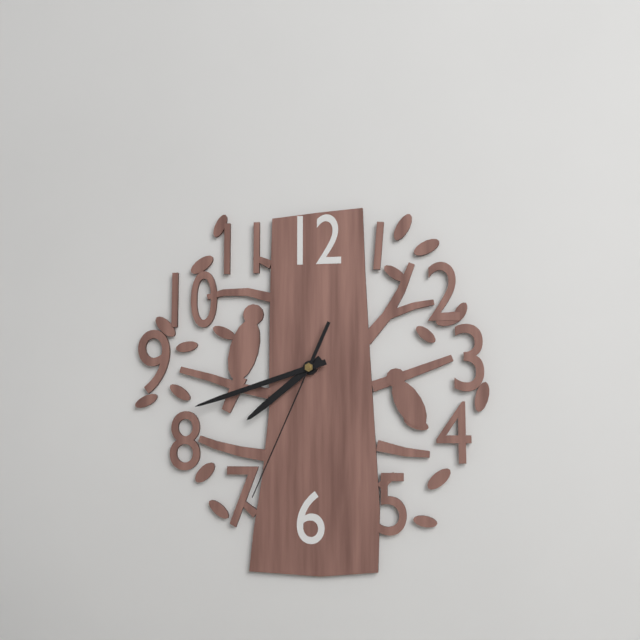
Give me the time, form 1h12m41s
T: 7h42m34s
